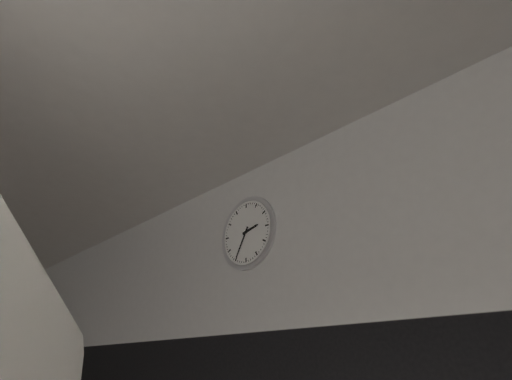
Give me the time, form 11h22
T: 2h35
